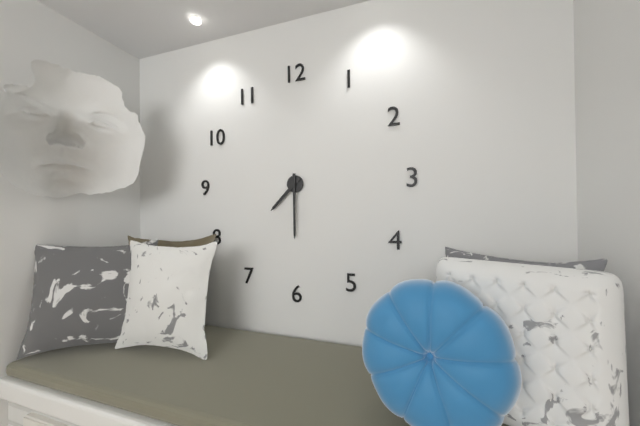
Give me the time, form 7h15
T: 7h30
